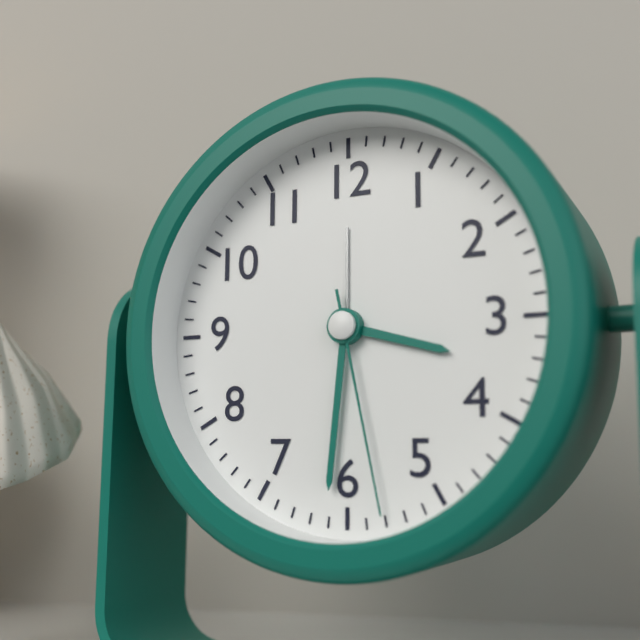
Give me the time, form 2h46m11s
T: 3h31m28s
